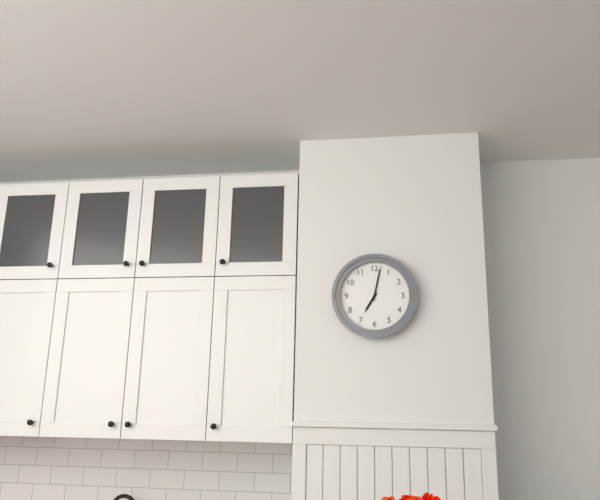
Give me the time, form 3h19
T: 7h02
